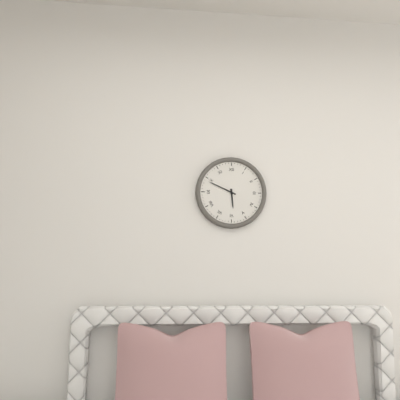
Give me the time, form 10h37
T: 5h49
